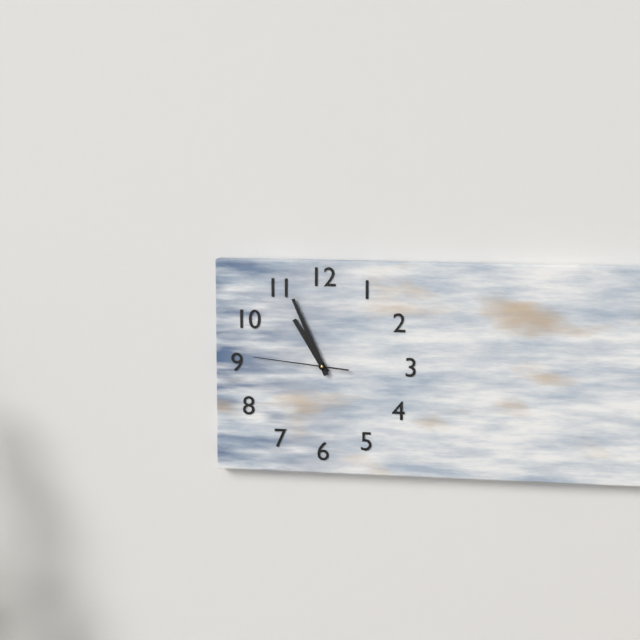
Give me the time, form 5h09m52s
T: 10h56m46s
